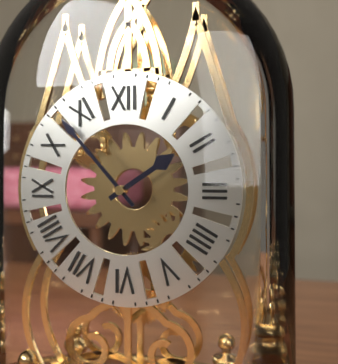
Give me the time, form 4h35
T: 1h53
